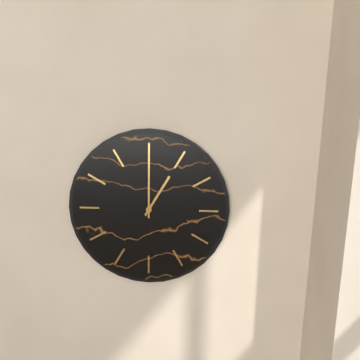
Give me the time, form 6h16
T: 1h00
